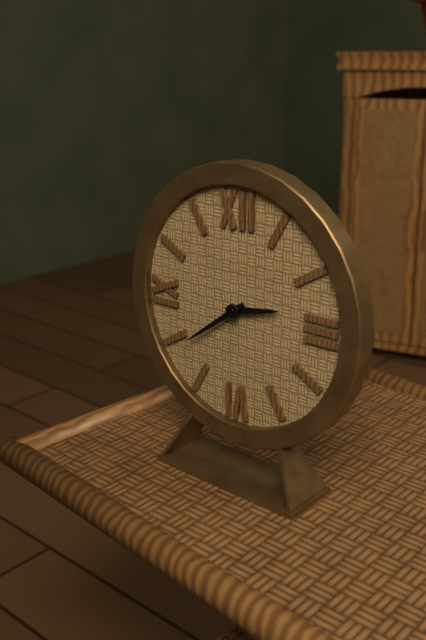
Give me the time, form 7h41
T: 2h39
